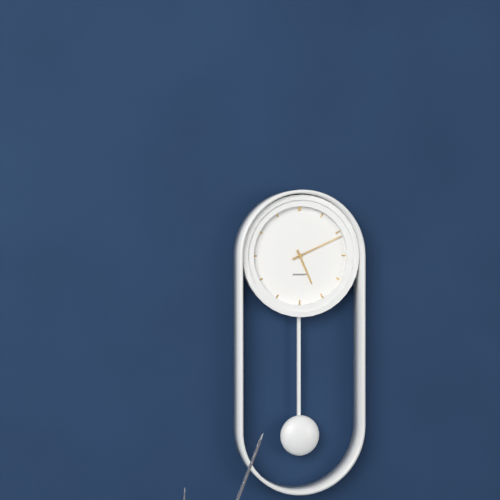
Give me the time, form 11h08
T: 5h11
